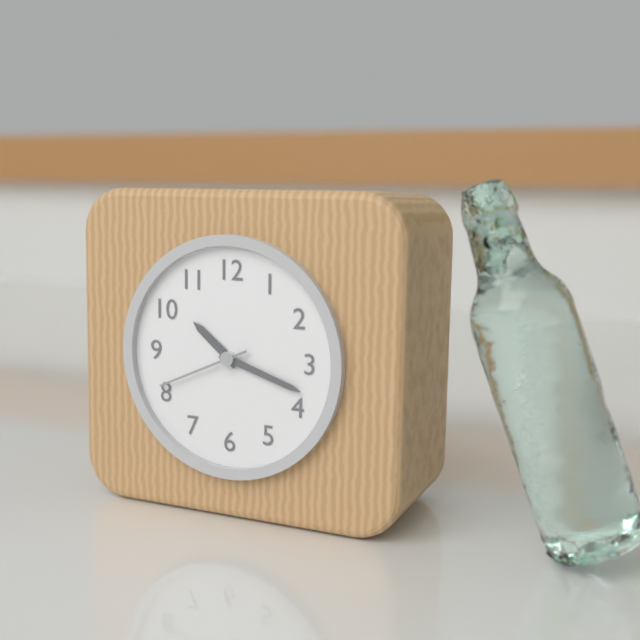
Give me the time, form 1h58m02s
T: 10h18m41s
